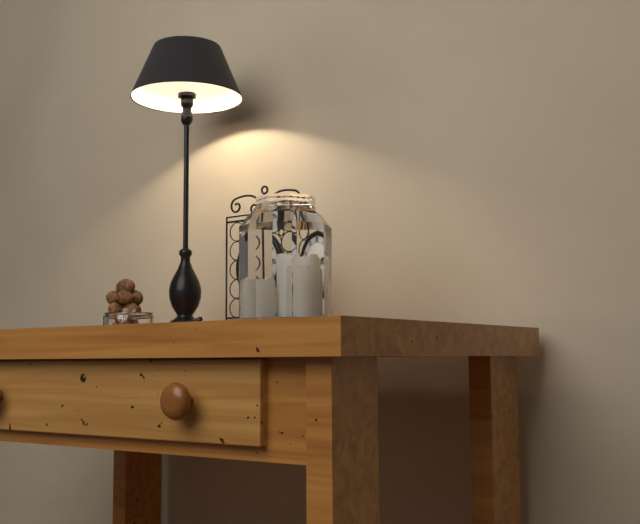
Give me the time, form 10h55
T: 2h14
